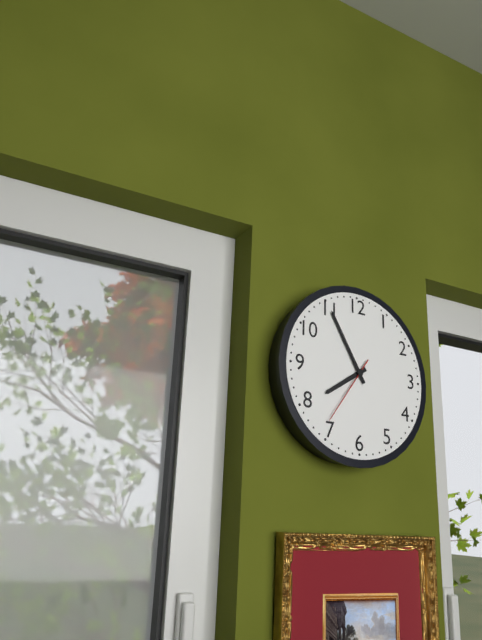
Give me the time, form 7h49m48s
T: 7h55m36s
